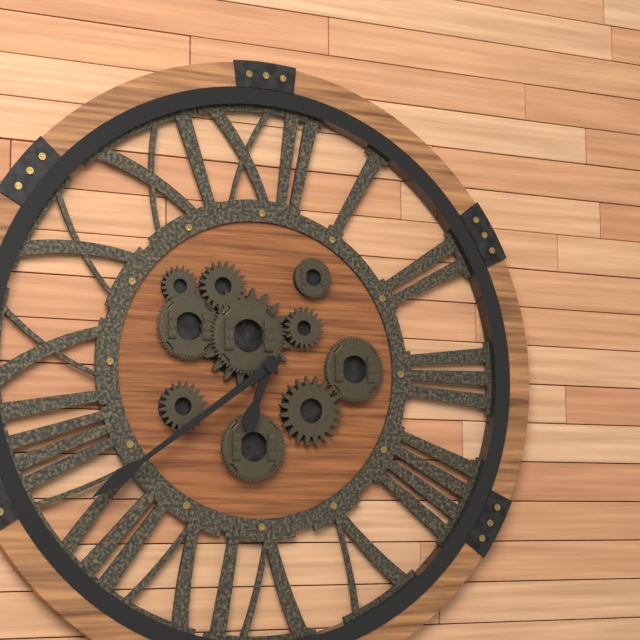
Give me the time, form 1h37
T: 6h39
